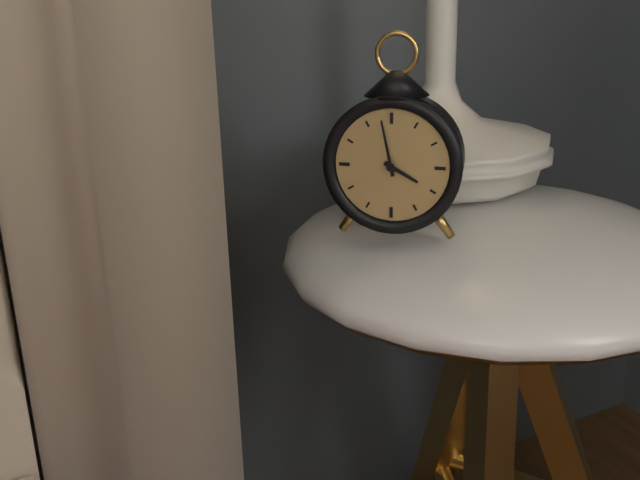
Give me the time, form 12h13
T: 3h58
